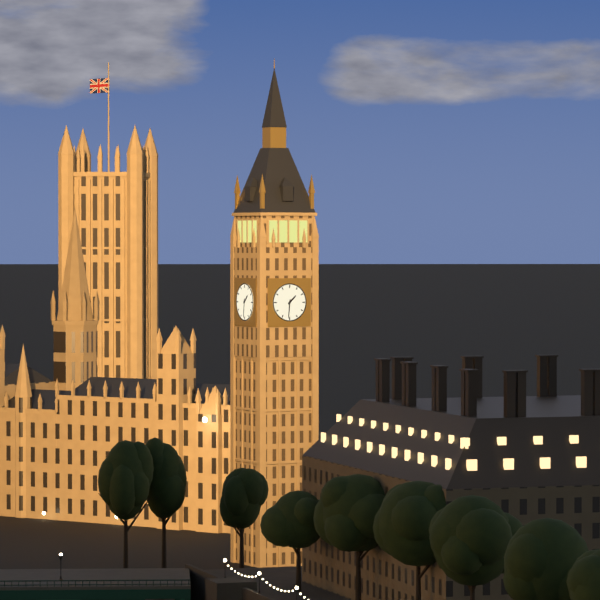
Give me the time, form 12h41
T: 1h31
